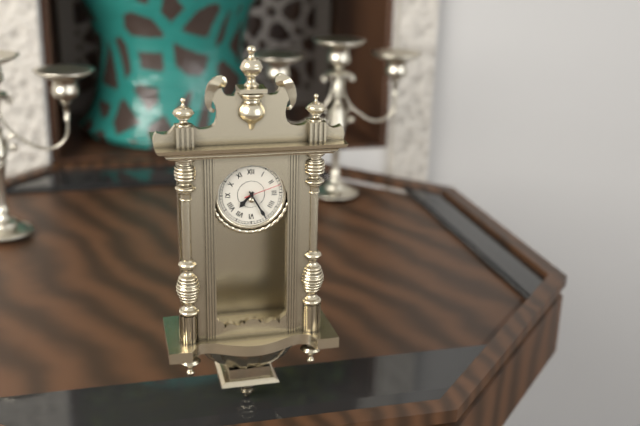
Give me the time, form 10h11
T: 7h25
